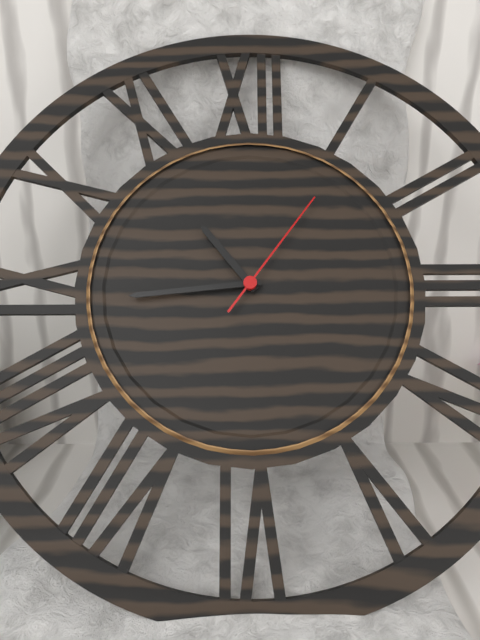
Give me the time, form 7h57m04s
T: 10h44m06s
